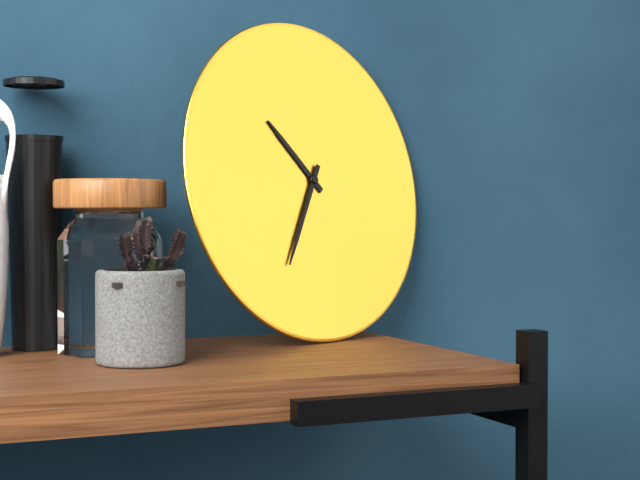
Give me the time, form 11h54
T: 10h35
